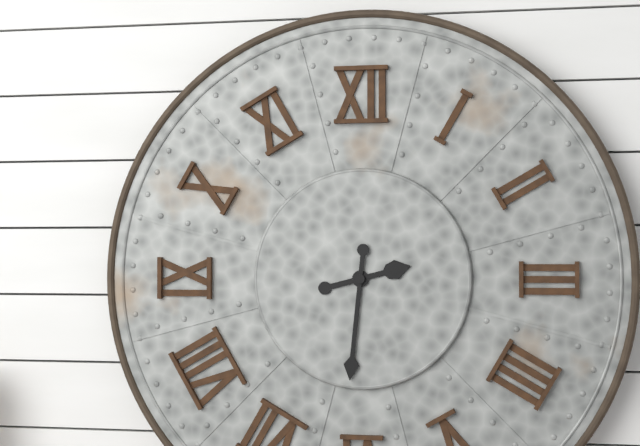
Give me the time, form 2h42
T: 2h31
